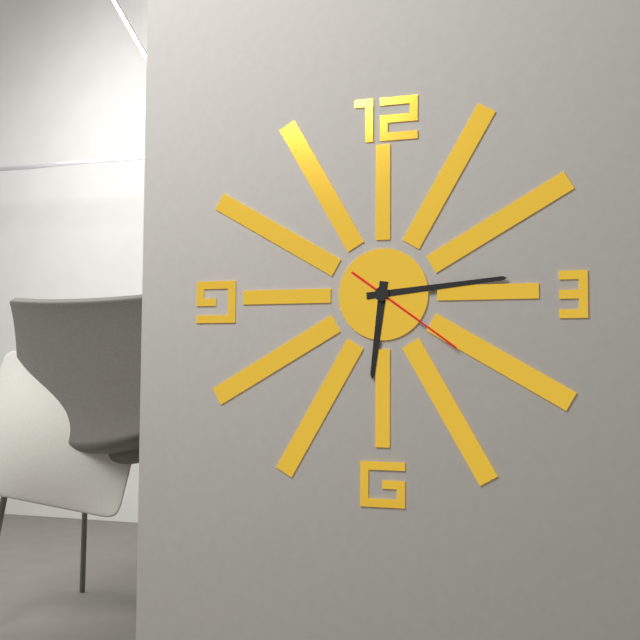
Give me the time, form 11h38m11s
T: 6h14m21s
